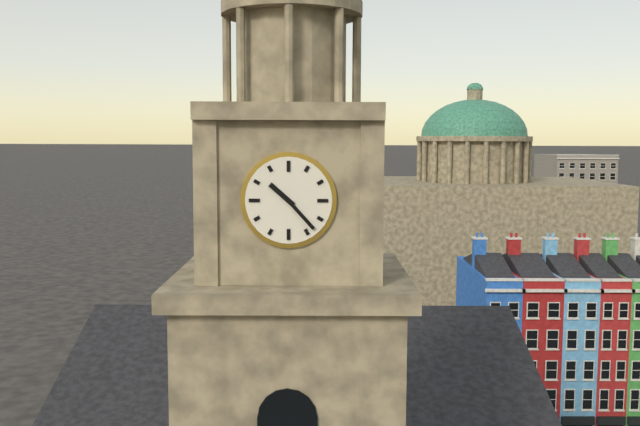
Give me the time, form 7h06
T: 10h23
